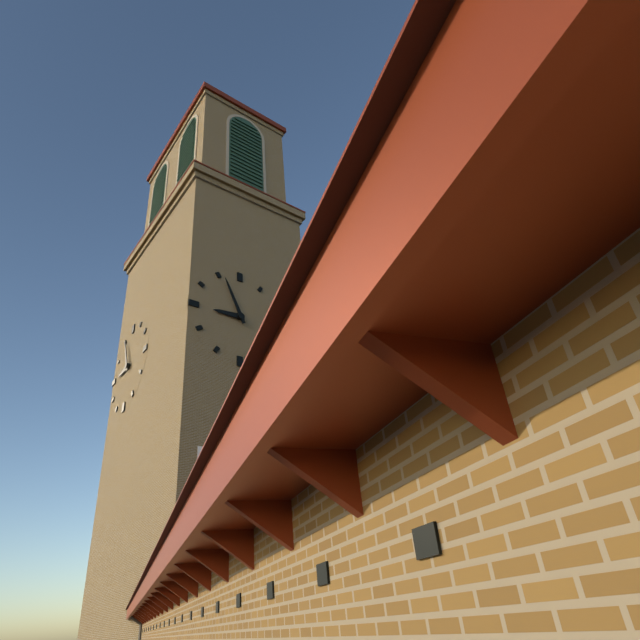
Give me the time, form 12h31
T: 8h56
